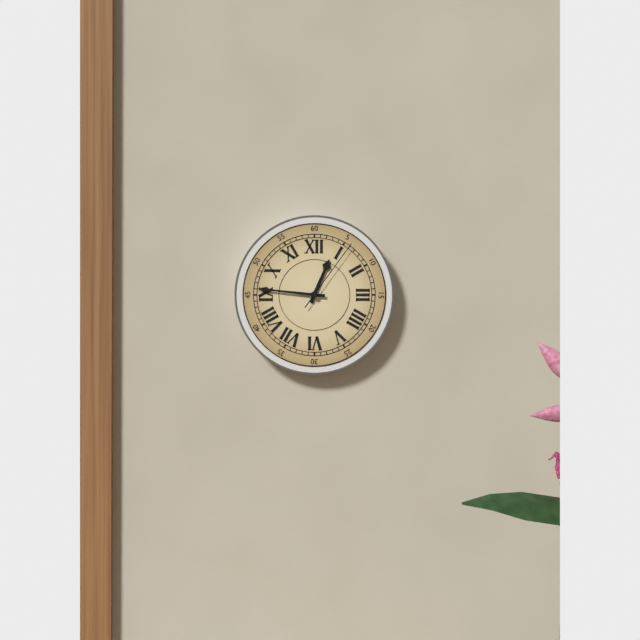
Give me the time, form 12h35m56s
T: 12h46m06s
